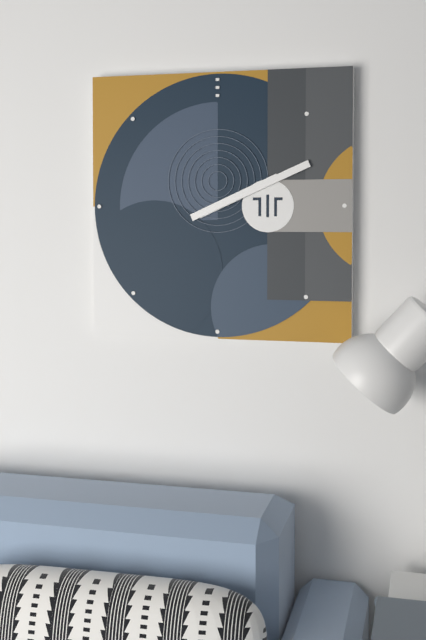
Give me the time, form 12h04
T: 2h11
